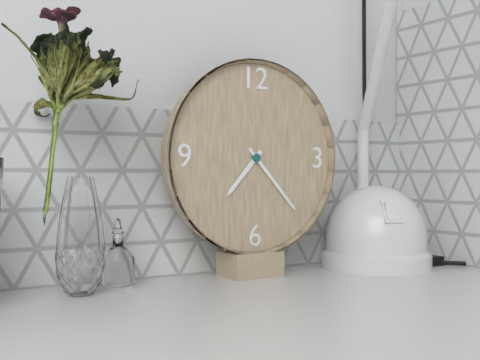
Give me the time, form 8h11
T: 7h23
